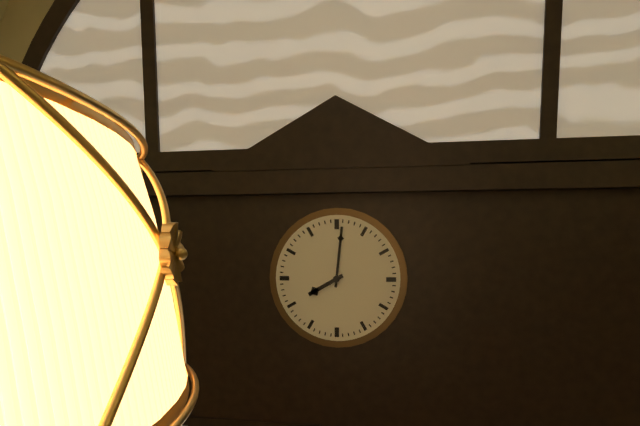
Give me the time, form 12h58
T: 8h01
